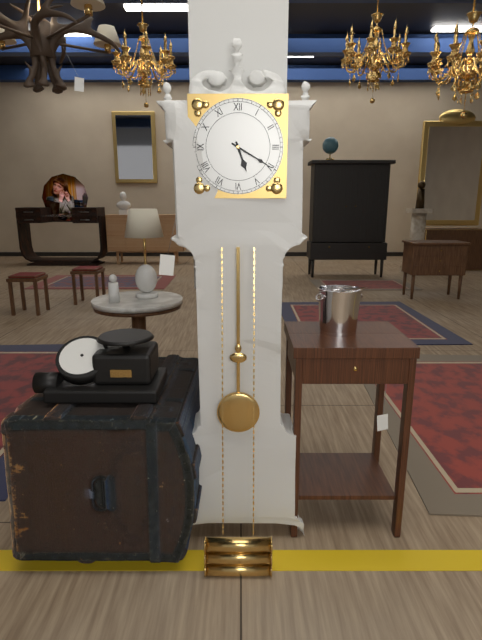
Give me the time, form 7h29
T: 5h20
